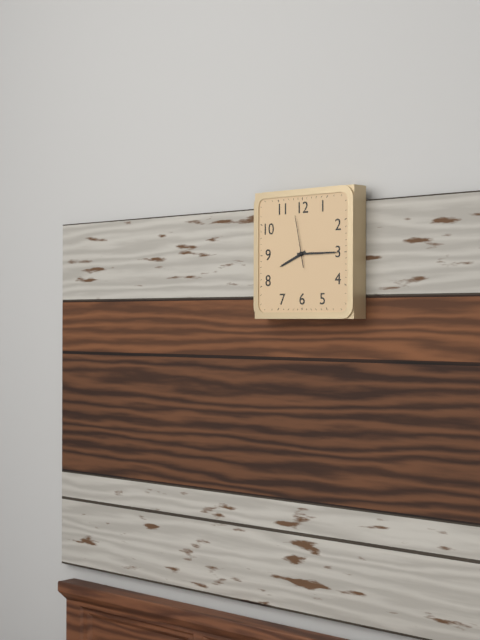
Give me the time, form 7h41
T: 8h15
